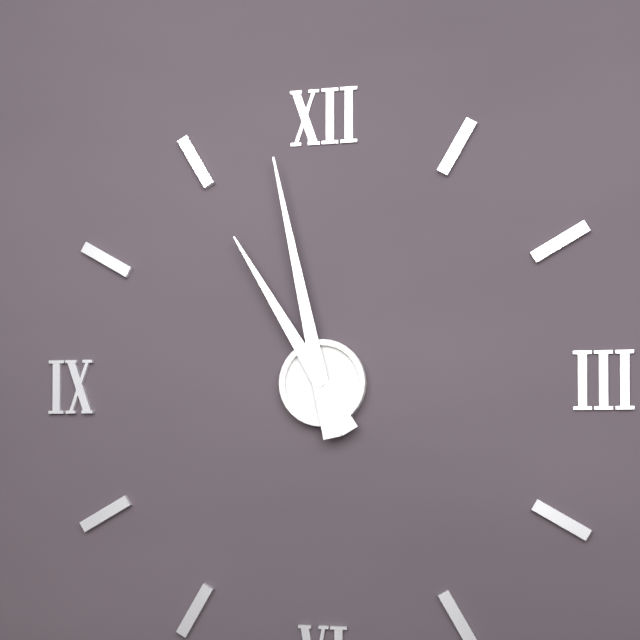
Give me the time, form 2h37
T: 10h58
